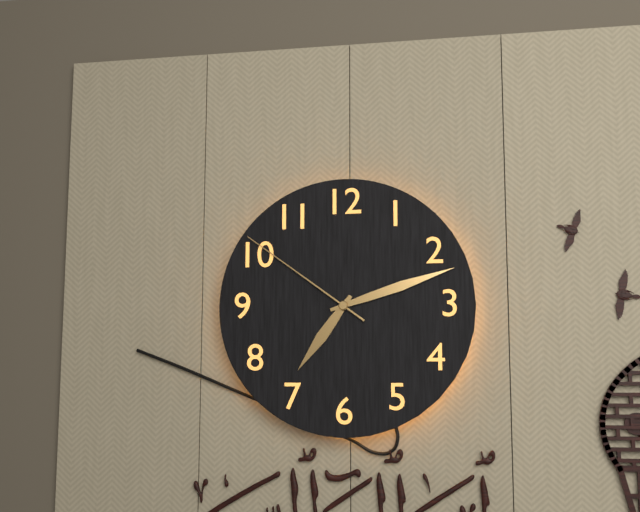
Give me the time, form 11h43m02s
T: 7h12m51s
